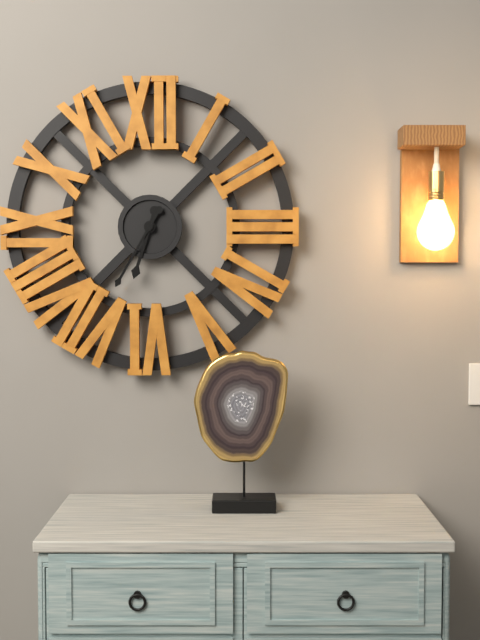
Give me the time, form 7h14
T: 6h35
